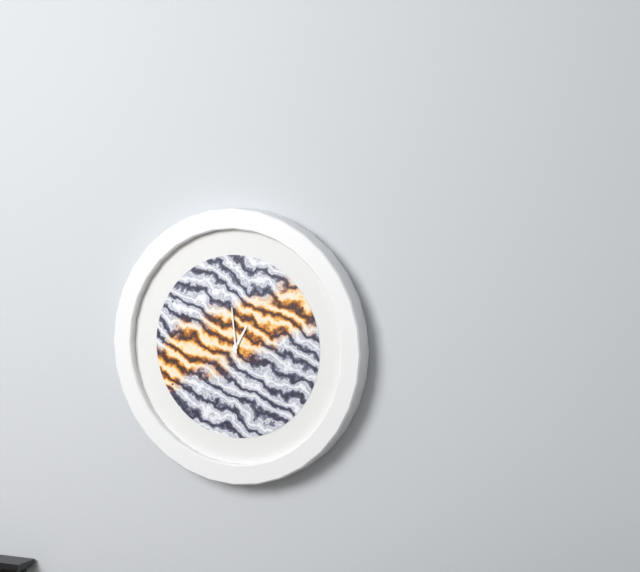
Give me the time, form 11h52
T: 12h59
